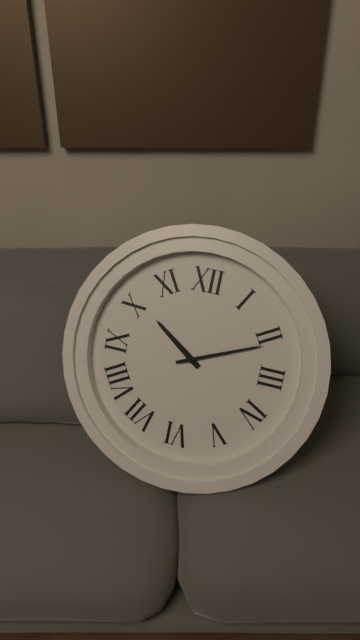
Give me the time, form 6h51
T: 10h11
